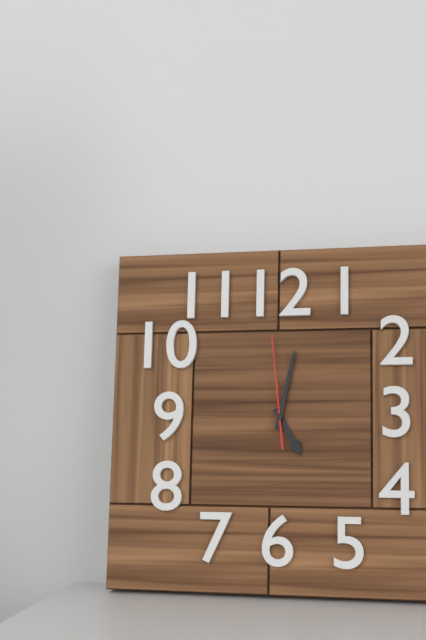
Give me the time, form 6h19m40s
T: 5h02m59s
